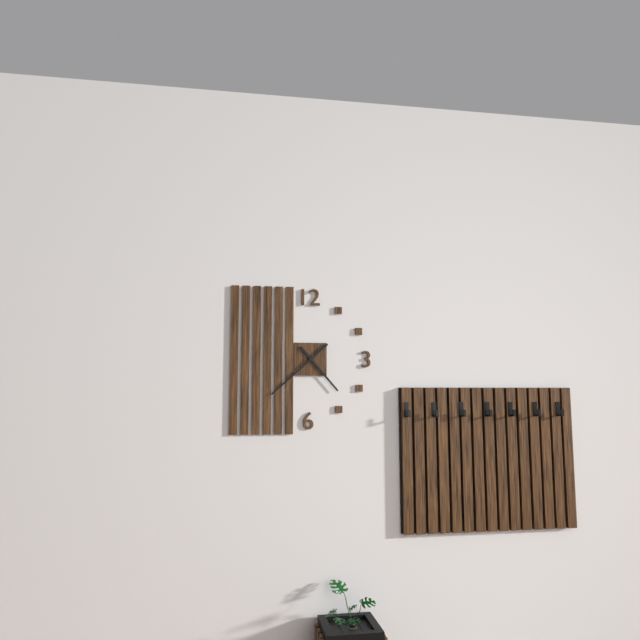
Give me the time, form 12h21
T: 4h38
